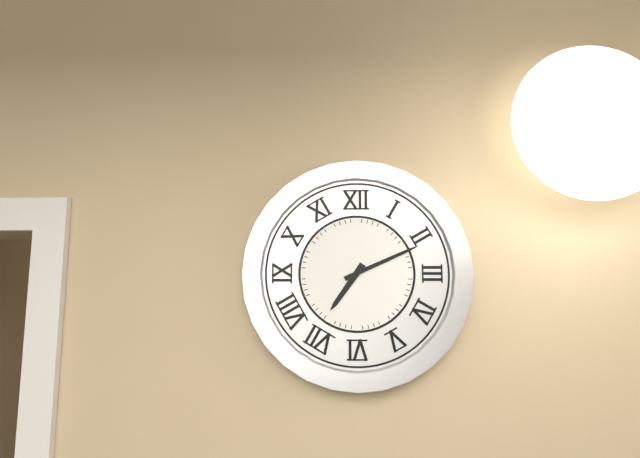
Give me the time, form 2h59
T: 7h11
